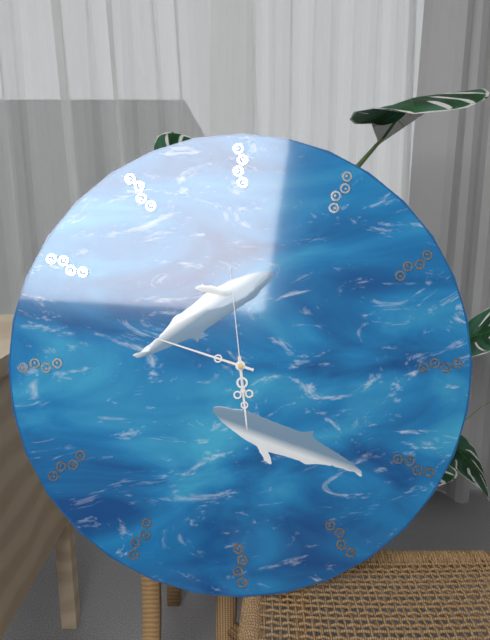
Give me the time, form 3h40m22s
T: 5h48m59s
